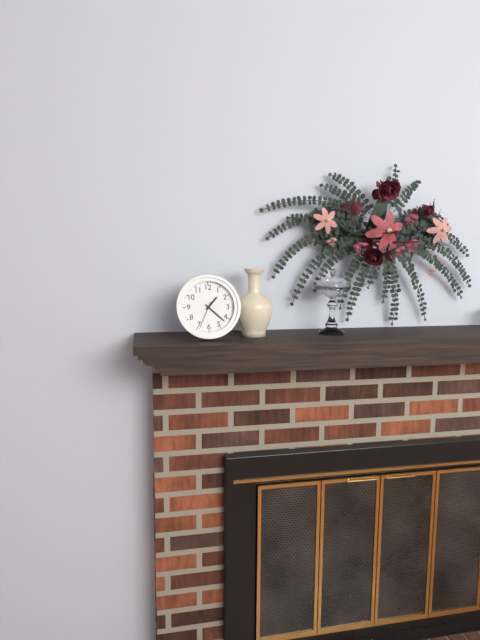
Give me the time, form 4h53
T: 1h22
